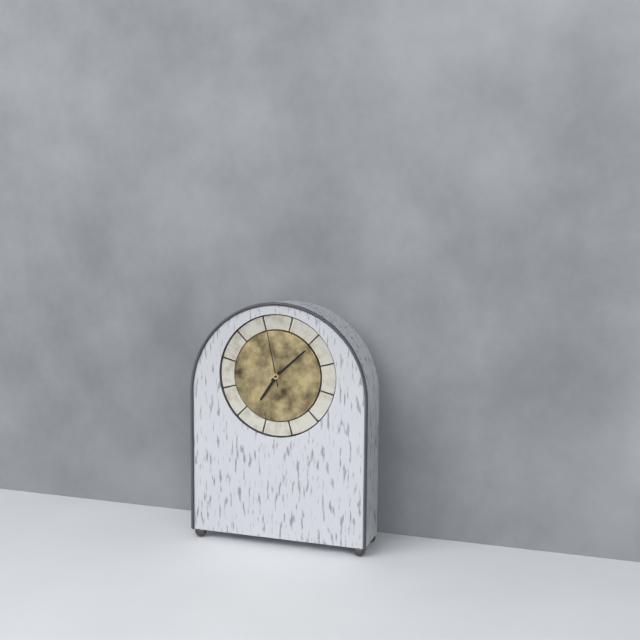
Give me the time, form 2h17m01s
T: 7h08m58s
